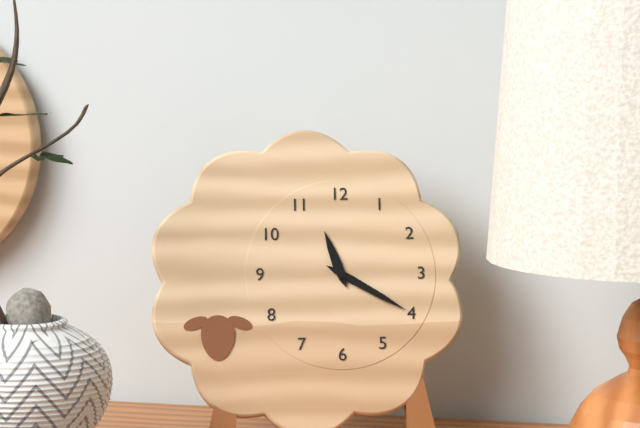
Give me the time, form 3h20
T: 11h20
